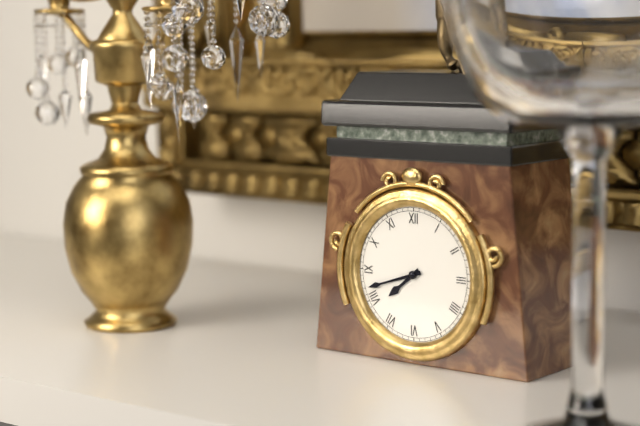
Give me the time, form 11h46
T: 7h42
